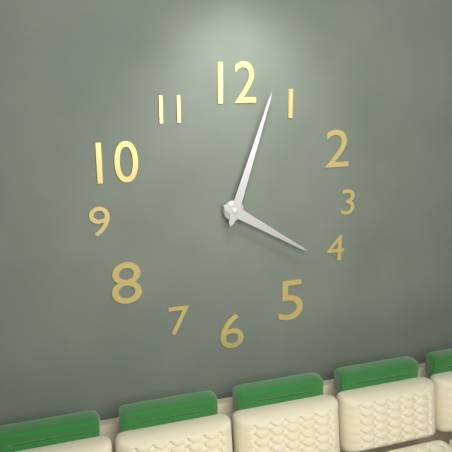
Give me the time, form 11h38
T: 4h03
